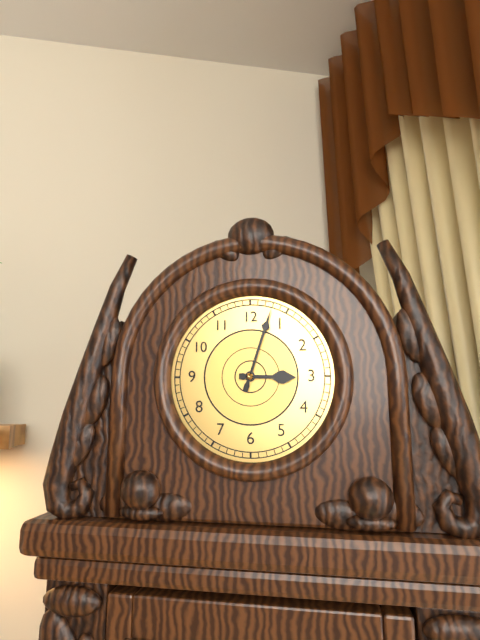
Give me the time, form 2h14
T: 3h03
